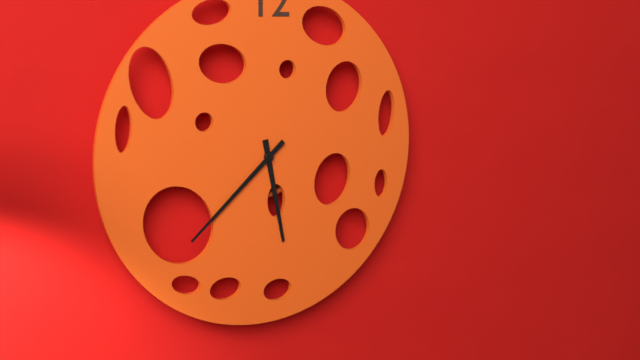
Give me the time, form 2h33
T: 5h38
